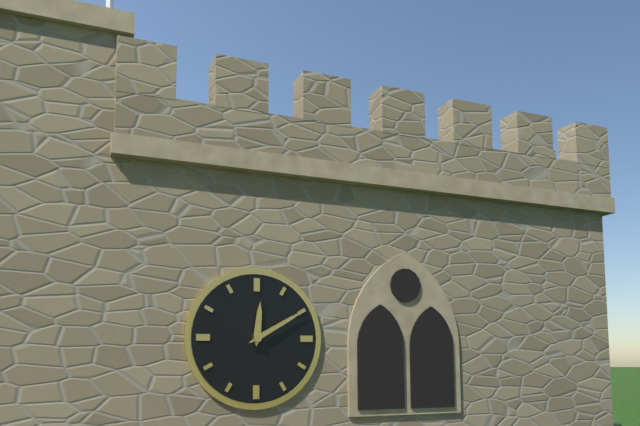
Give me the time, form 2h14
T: 12h10
